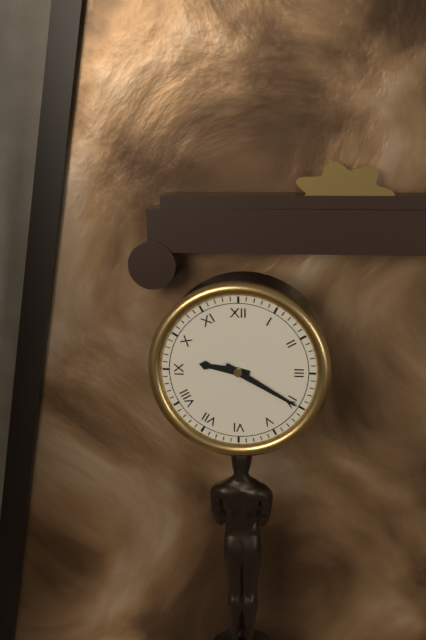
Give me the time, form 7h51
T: 9h20
